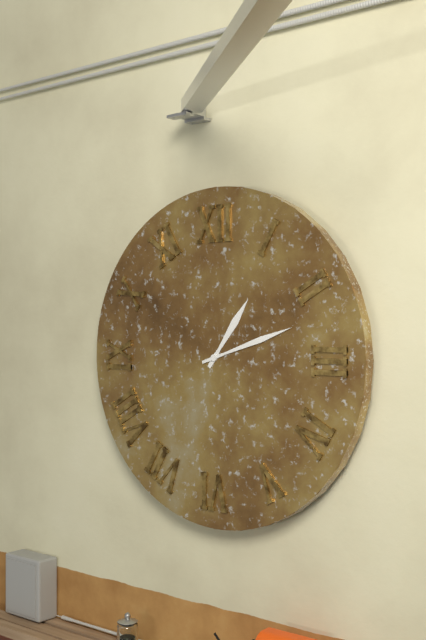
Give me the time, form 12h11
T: 1h12
